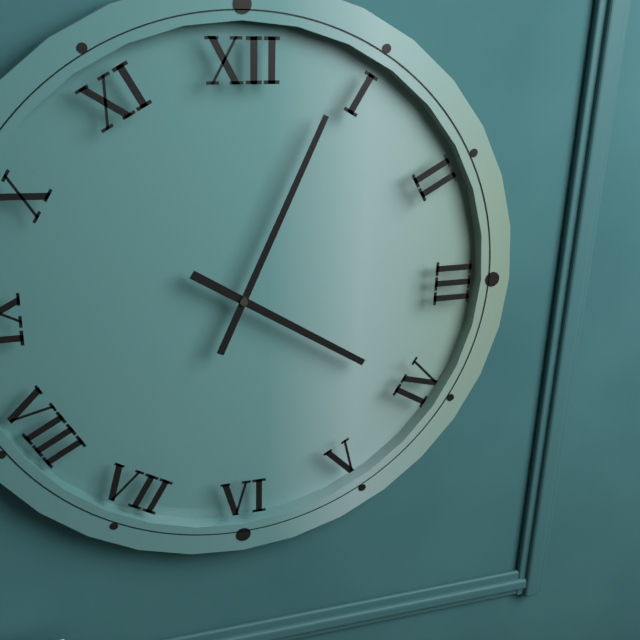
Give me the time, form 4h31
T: 4h04
